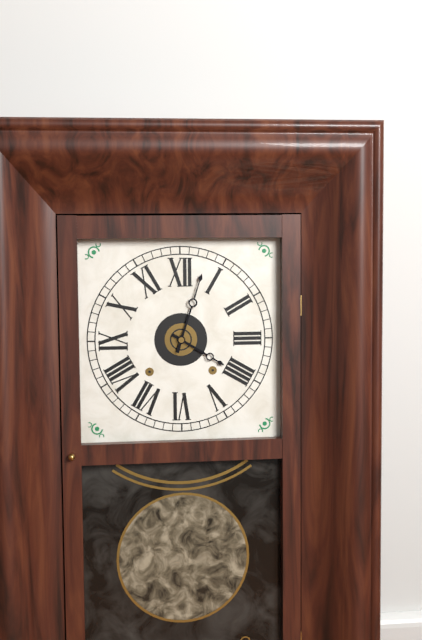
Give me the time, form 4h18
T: 4h03
